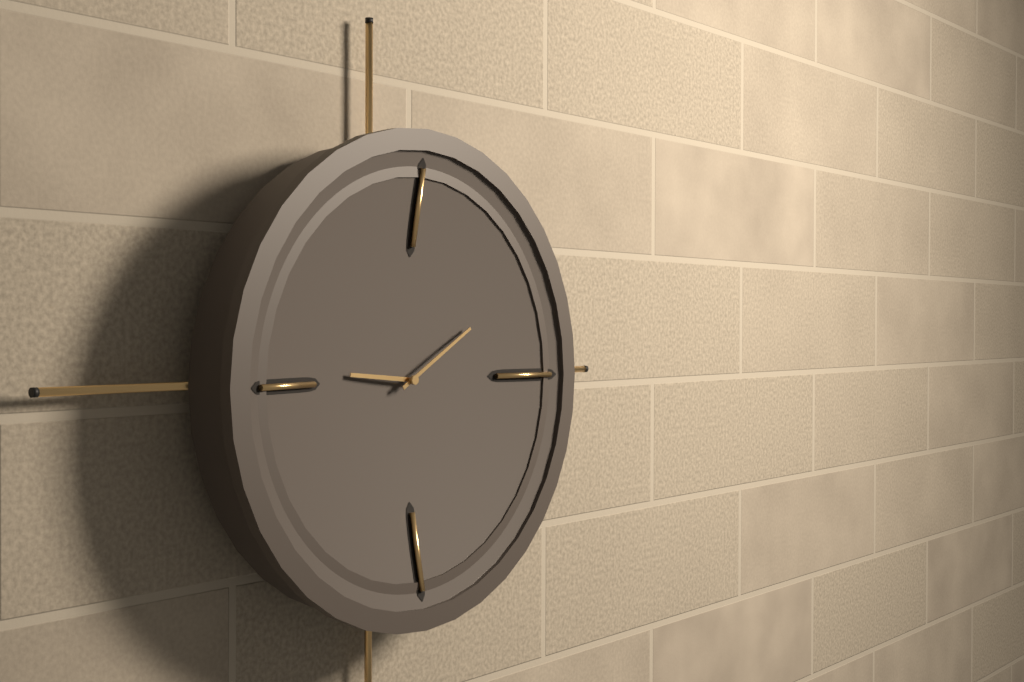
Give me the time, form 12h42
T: 9h10
